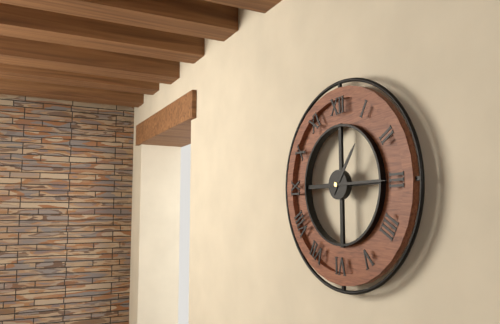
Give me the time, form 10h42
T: 1h15
